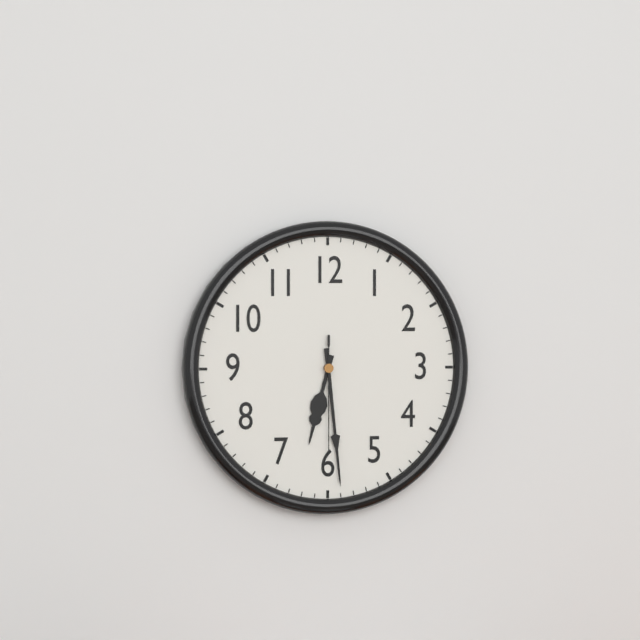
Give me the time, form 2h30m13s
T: 6h29m30s
